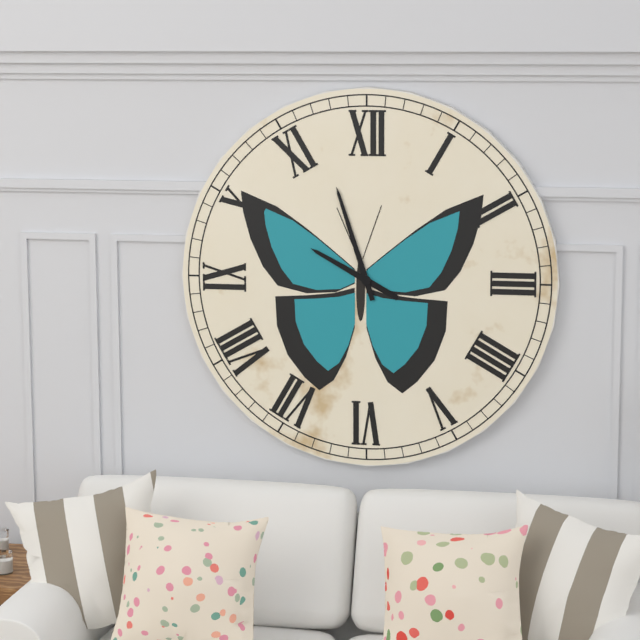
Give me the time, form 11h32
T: 9h57
